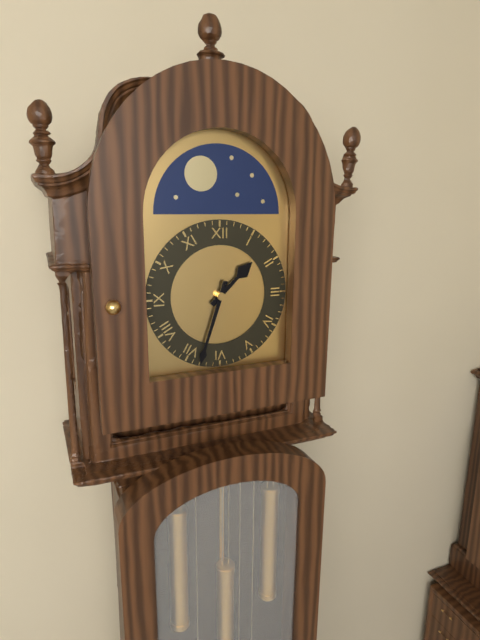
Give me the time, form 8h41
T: 1h33
